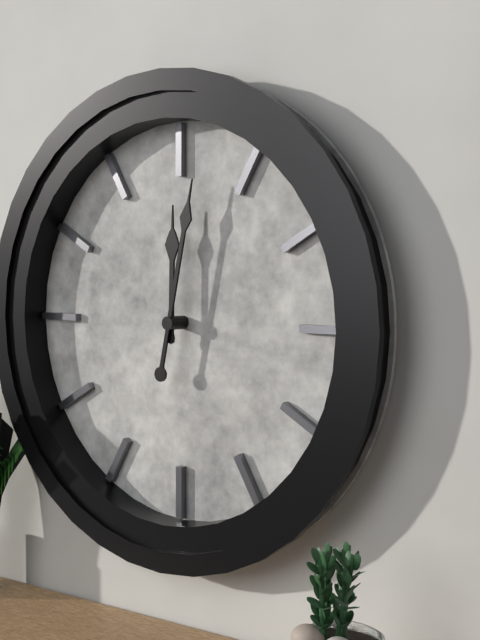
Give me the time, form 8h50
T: 12h02
